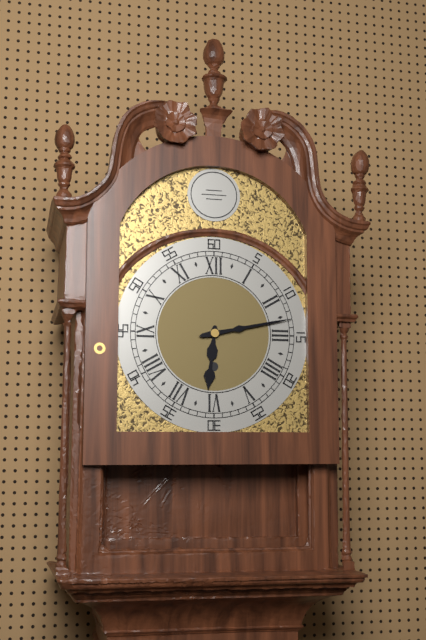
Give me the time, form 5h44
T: 6h13
